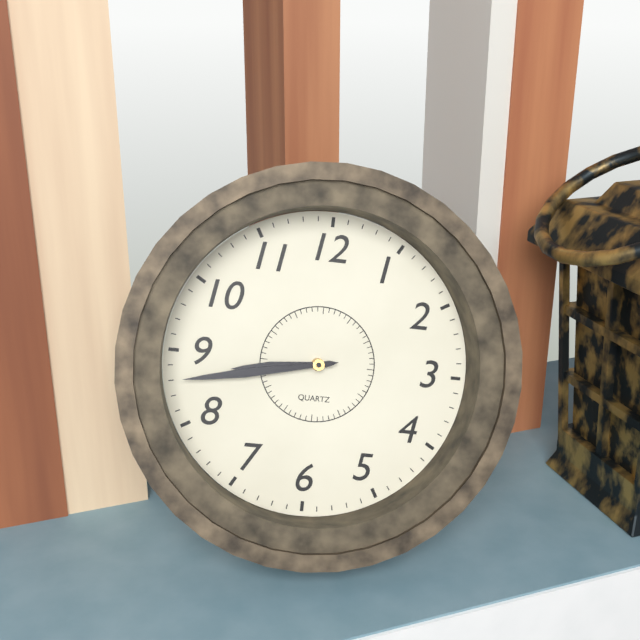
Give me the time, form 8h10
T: 8h43
